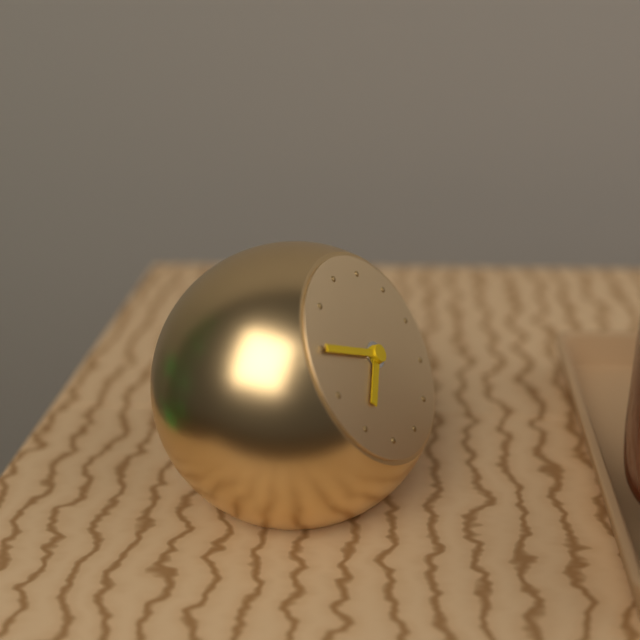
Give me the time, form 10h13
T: 7h50
